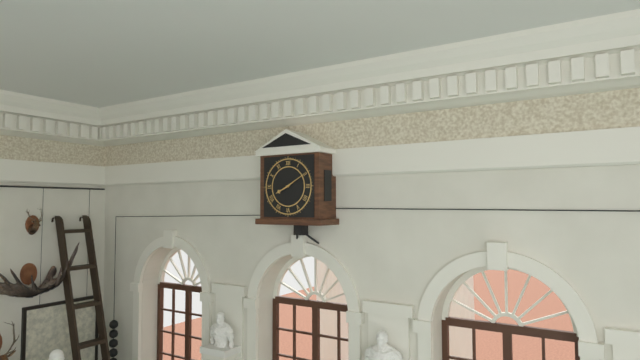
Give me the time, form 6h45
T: 8h10
